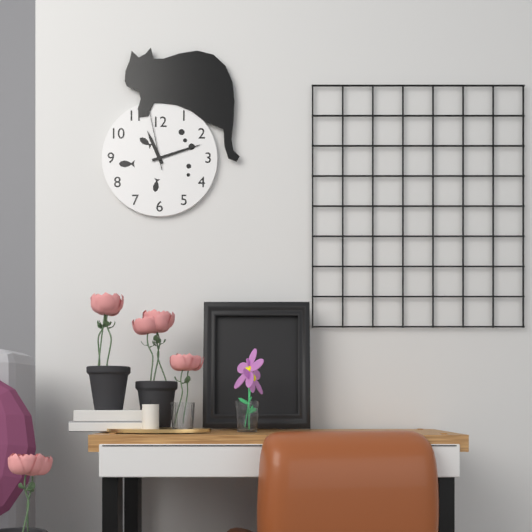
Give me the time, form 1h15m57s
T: 11h12m58s
